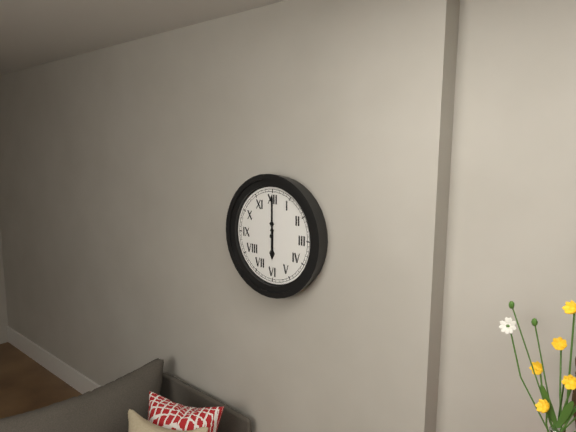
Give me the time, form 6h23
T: 6h00
